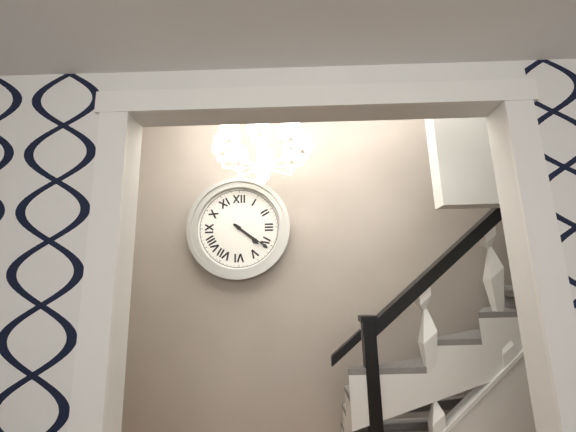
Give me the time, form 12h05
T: 4h21
